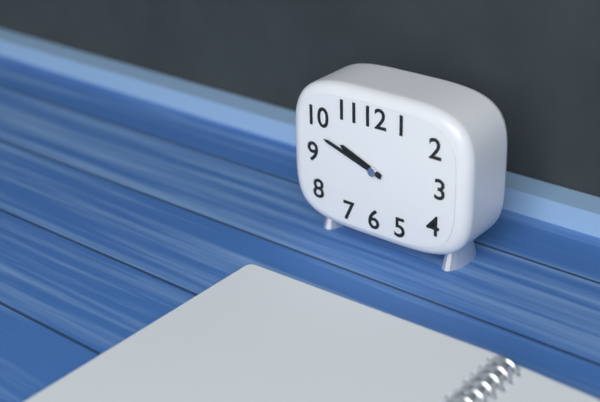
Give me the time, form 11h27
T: 9h48
